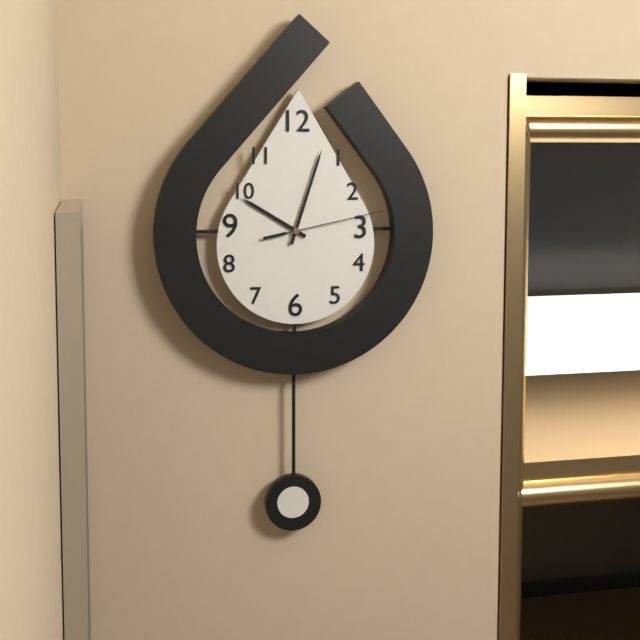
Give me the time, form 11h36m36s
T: 10h03m13s
